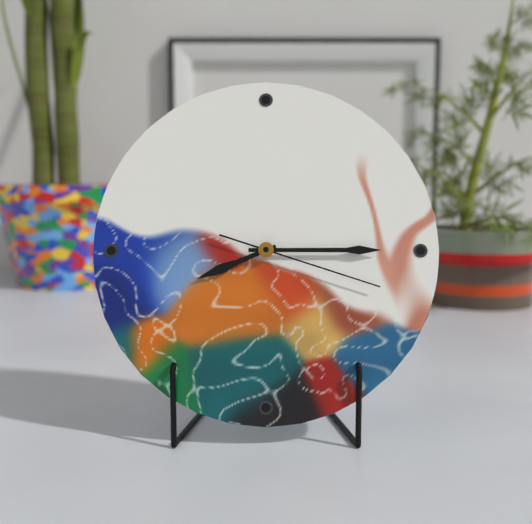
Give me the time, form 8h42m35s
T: 8h15m18s
